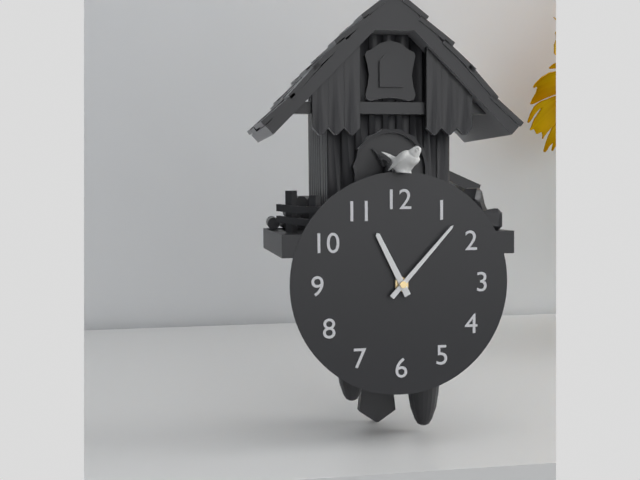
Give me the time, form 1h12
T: 11h07
